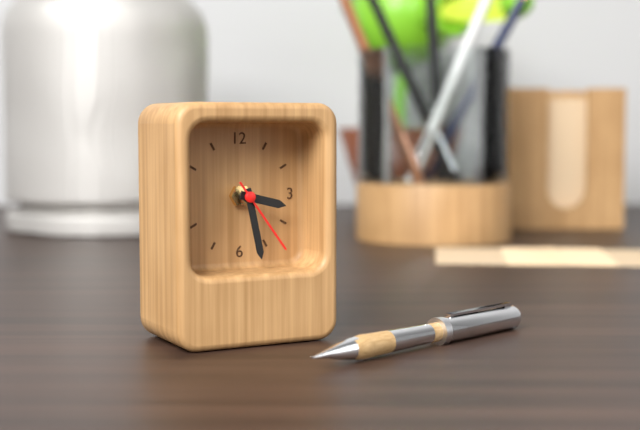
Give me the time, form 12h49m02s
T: 3h28m24s
